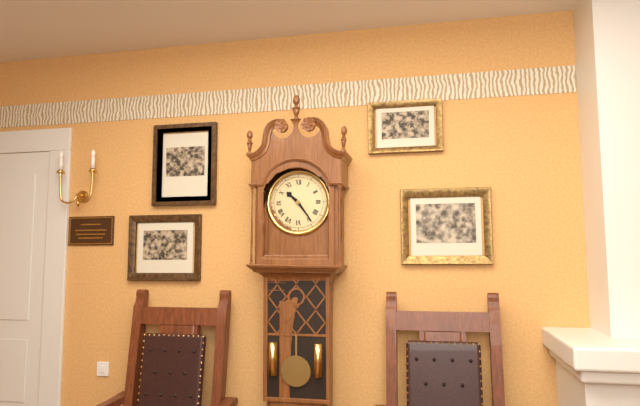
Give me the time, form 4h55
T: 10h24
